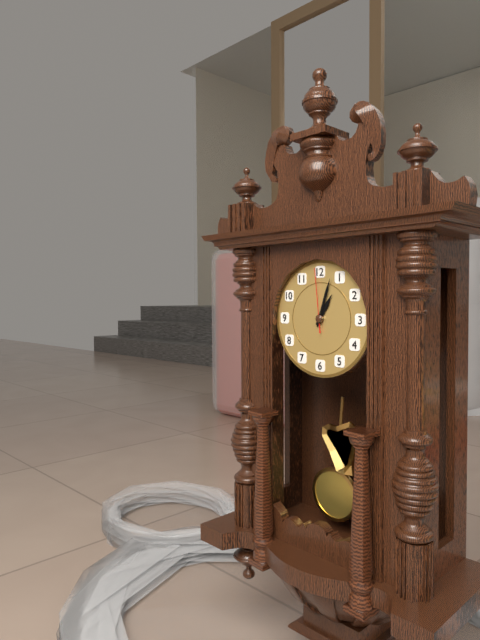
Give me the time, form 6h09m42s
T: 1h03m59s
